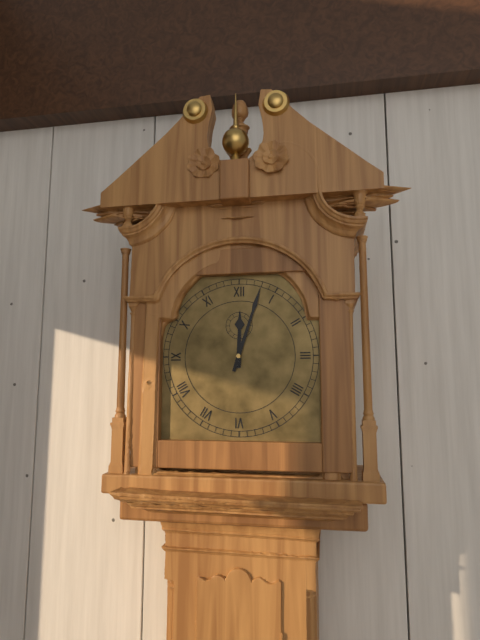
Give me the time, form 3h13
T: 12h03
